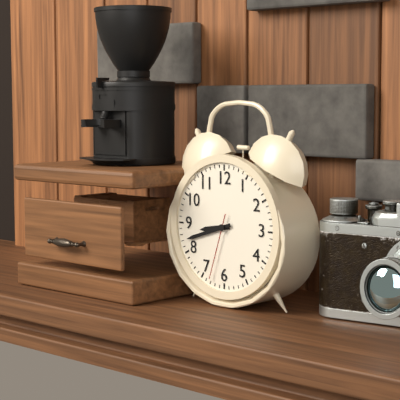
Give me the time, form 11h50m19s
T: 8h42m33s
